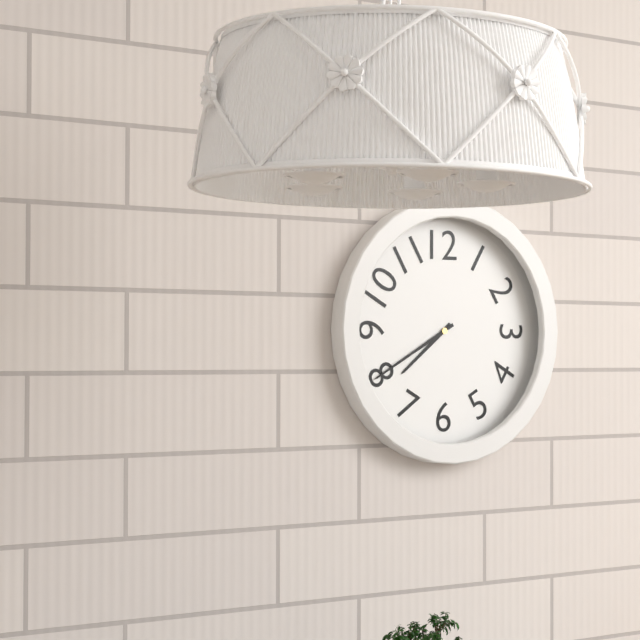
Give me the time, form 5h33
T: 7h40
